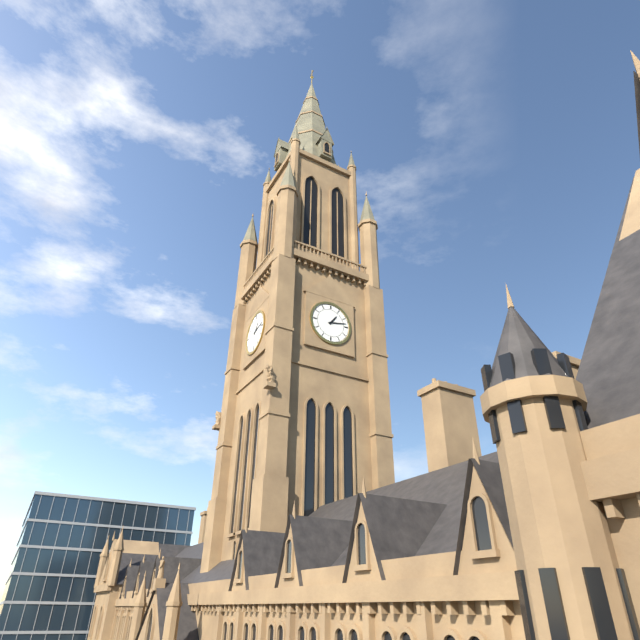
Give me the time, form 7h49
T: 1h13
